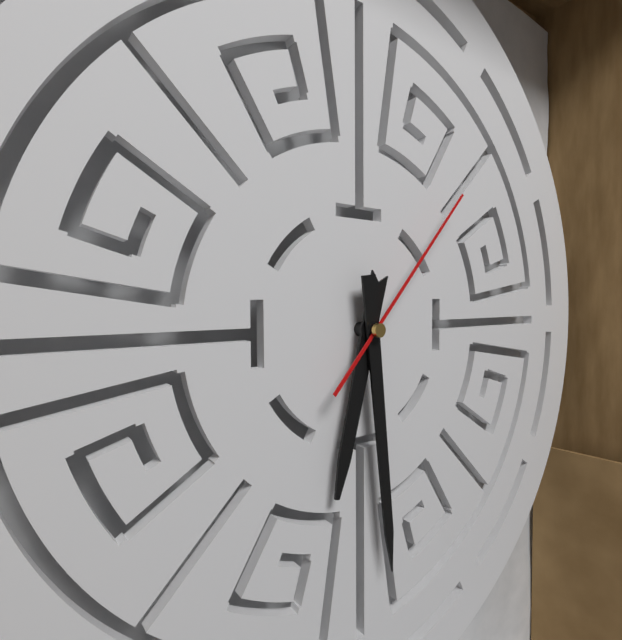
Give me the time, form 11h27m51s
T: 6h29m07s
